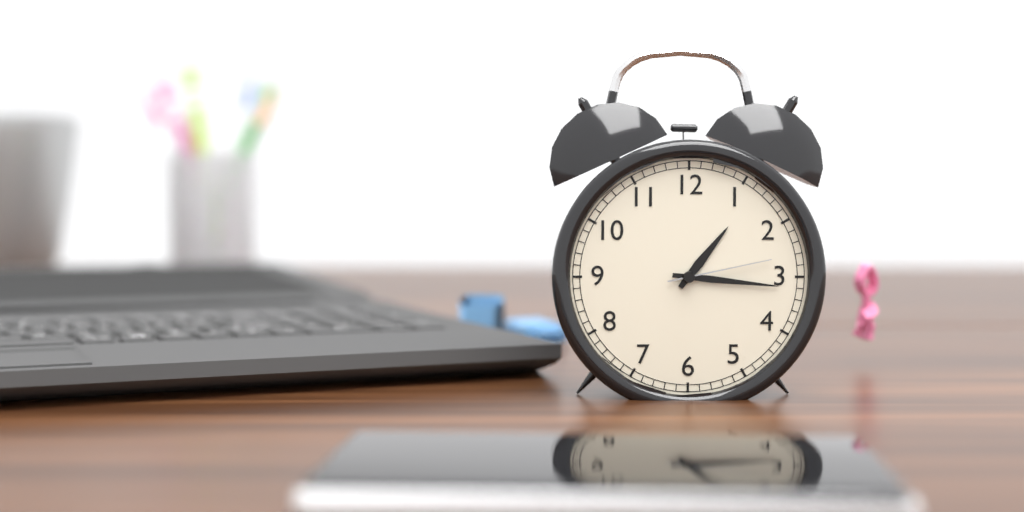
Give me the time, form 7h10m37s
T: 1h16m13s
